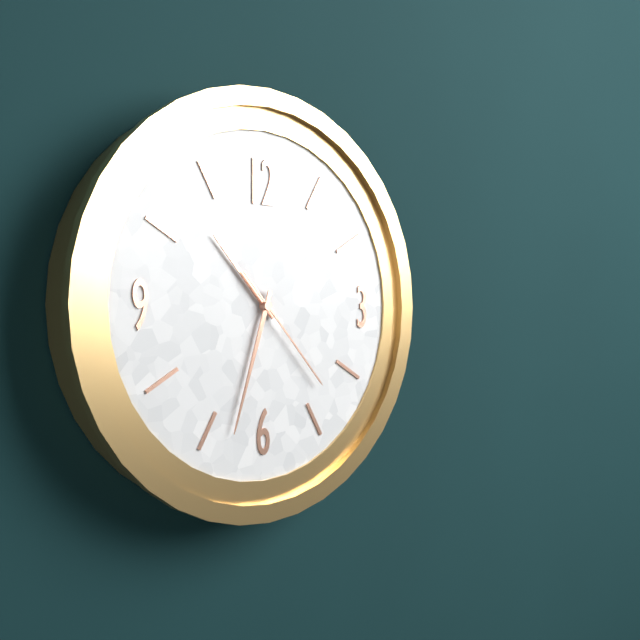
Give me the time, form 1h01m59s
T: 10h33m23s
